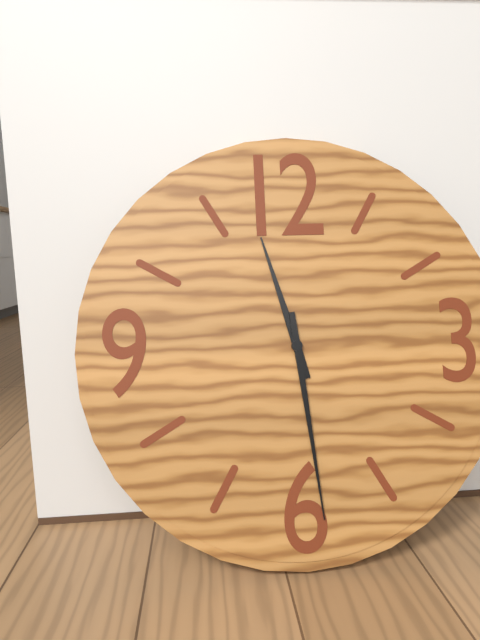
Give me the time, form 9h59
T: 11h29
